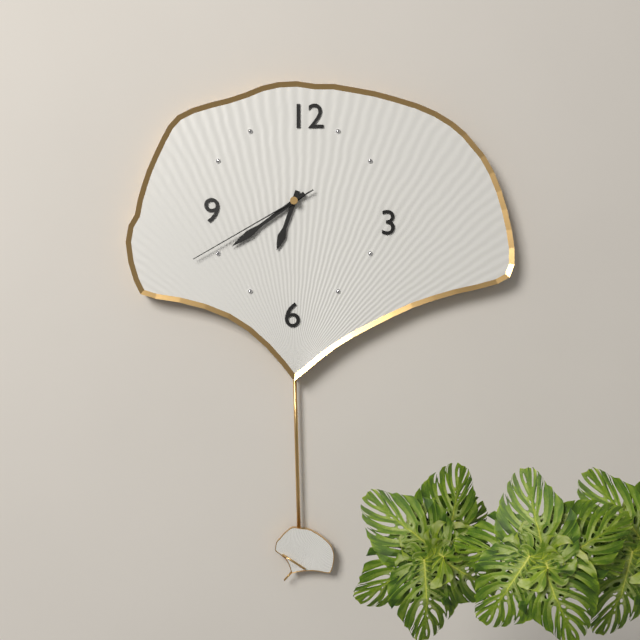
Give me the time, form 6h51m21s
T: 6h39m40s
